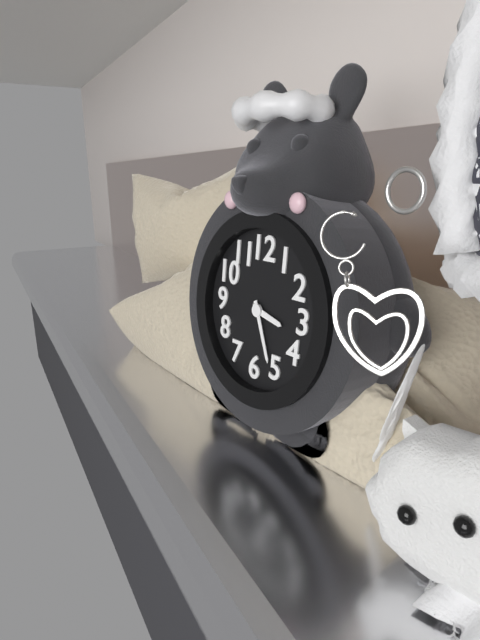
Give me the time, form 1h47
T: 3h26
